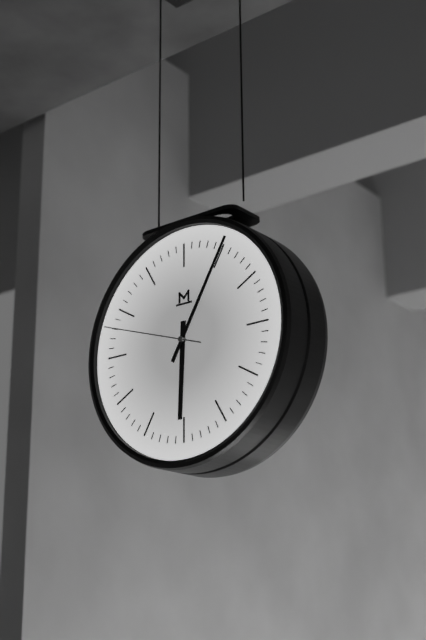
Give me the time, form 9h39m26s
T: 6h05m48s
